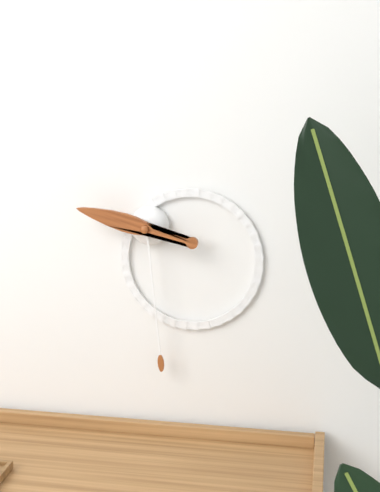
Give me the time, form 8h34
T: 9h29
